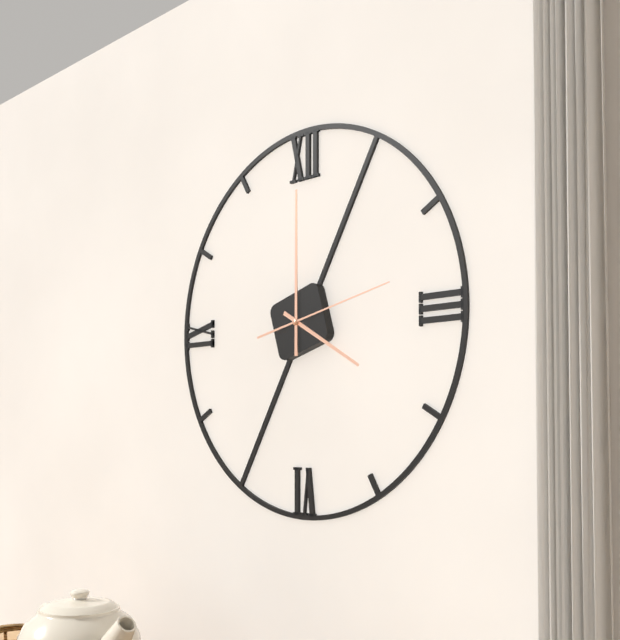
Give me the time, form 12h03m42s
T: 4h00m13s
